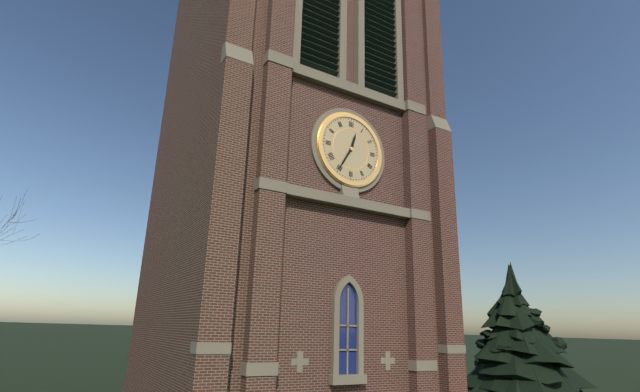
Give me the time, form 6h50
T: 12h35
